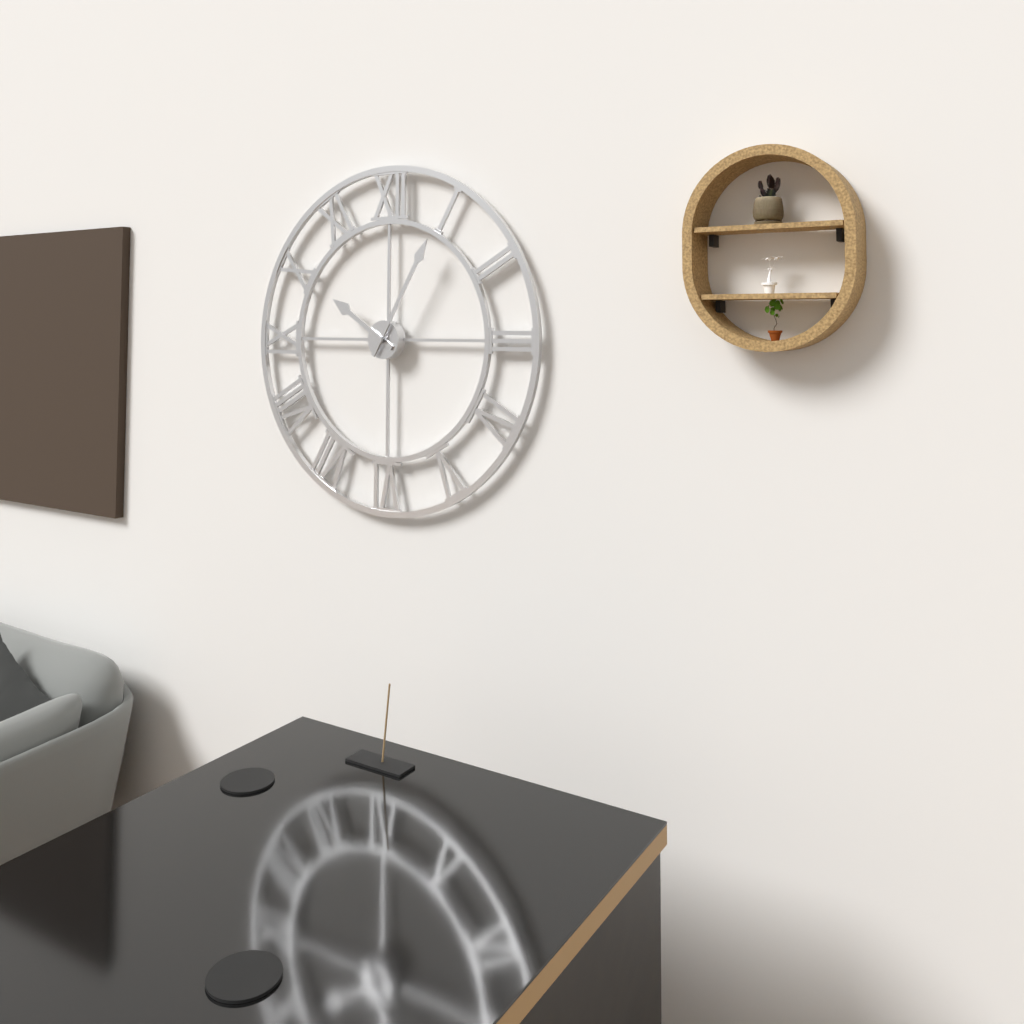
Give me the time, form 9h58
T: 10h05
